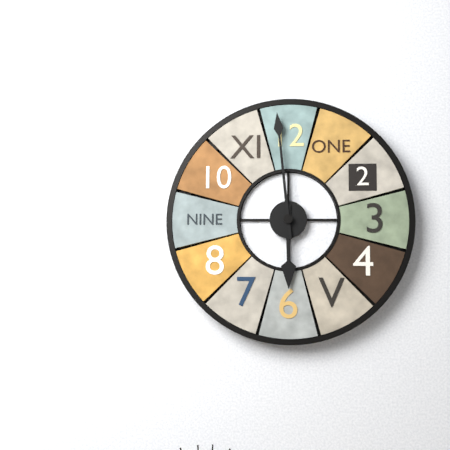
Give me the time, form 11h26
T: 5h59
